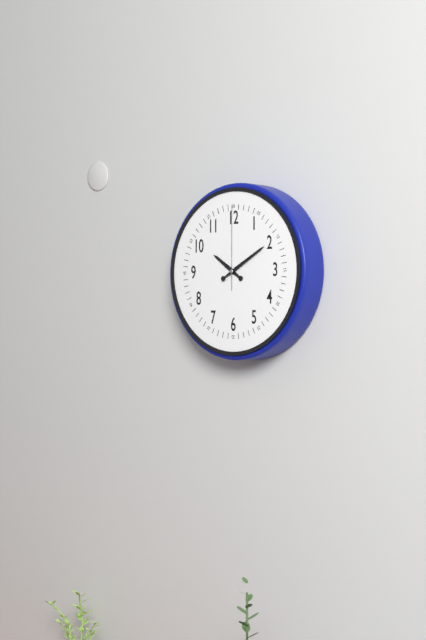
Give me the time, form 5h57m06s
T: 10h10m00s
